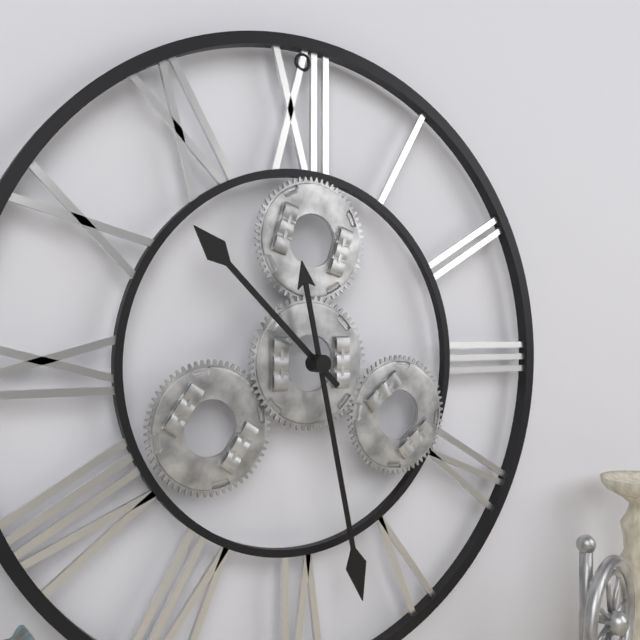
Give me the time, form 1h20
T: 10h28
